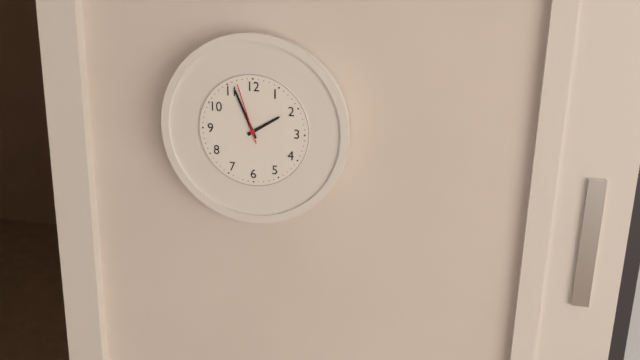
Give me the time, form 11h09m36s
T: 1h56m57s
